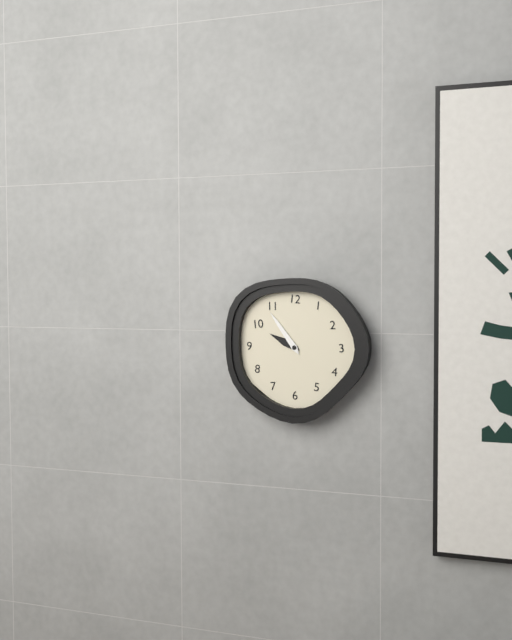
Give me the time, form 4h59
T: 9h54
